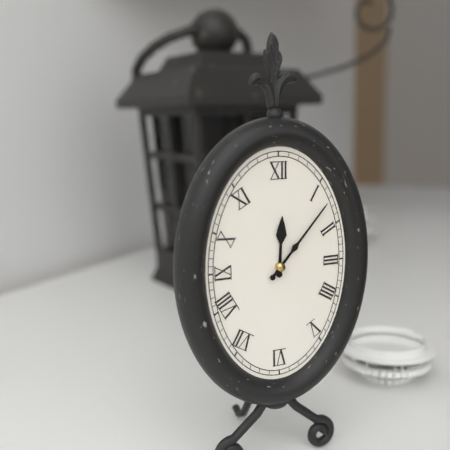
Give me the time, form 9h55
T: 12h07
